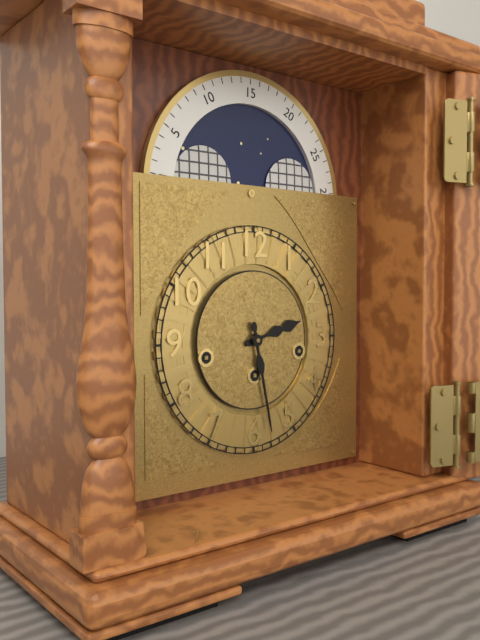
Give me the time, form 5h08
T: 2h28
